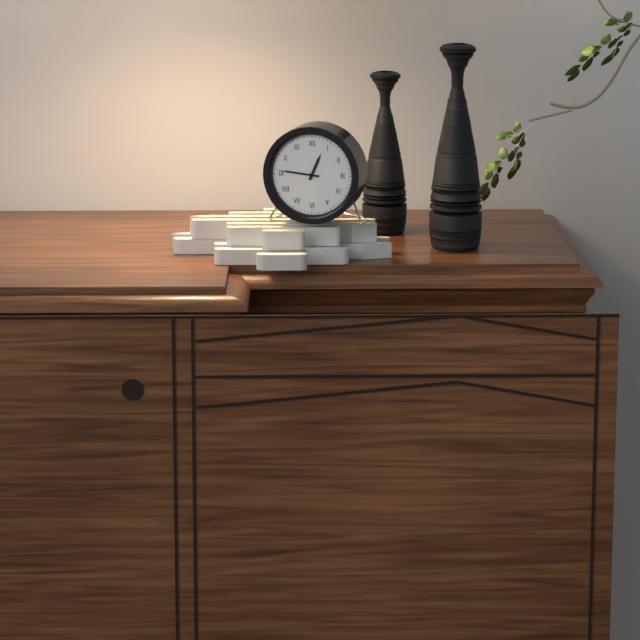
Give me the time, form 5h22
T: 12h46
